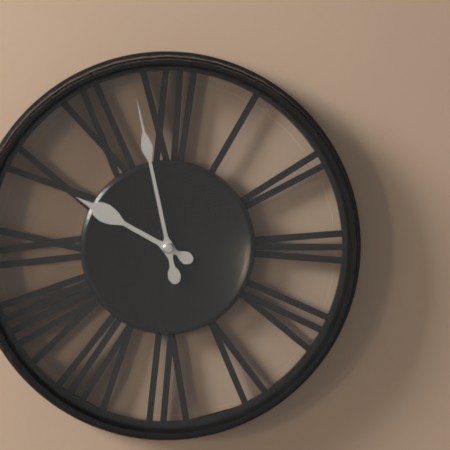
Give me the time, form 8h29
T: 9h58
